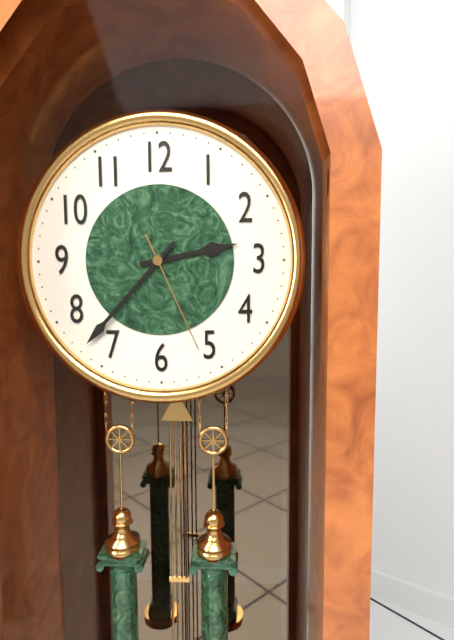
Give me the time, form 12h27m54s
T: 2h37m26s
